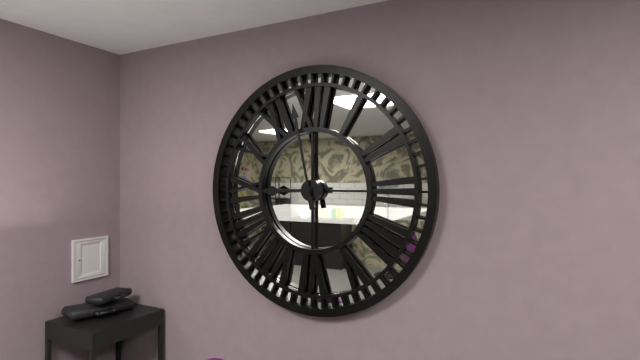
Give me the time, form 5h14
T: 8h58
